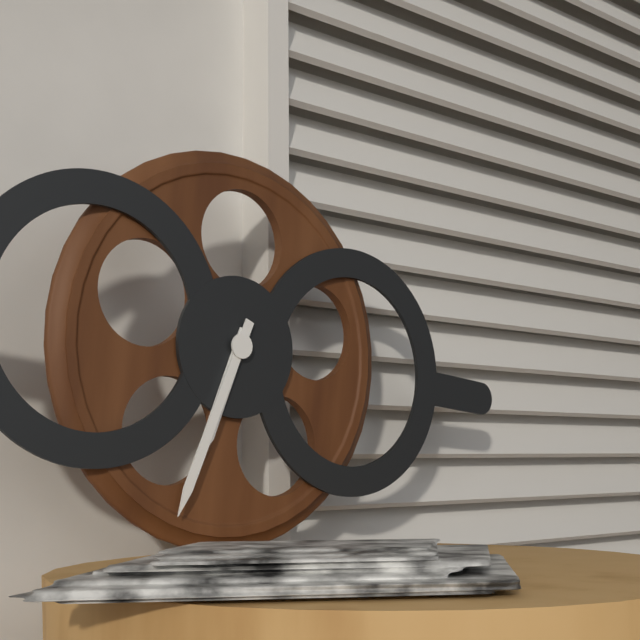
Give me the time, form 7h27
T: 6h33
